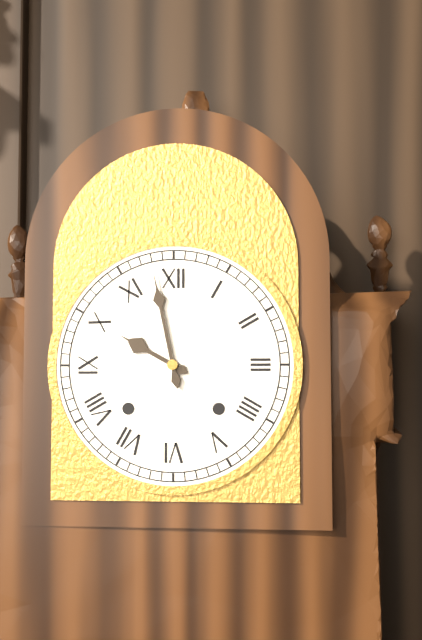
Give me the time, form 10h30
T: 9h58
